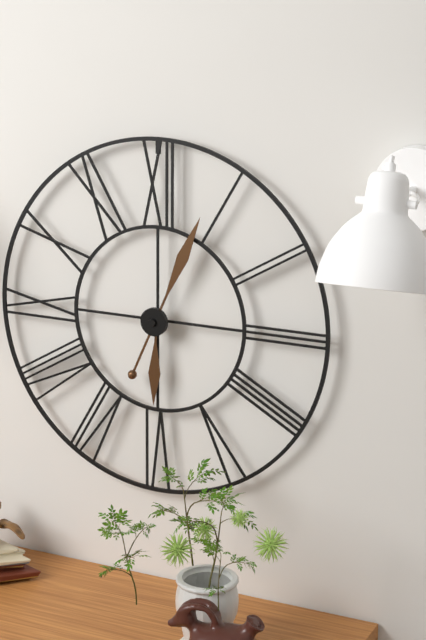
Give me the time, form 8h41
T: 6h04
